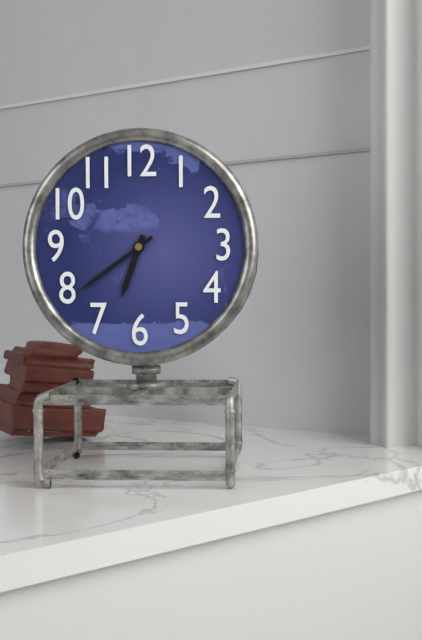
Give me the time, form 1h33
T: 6h39
